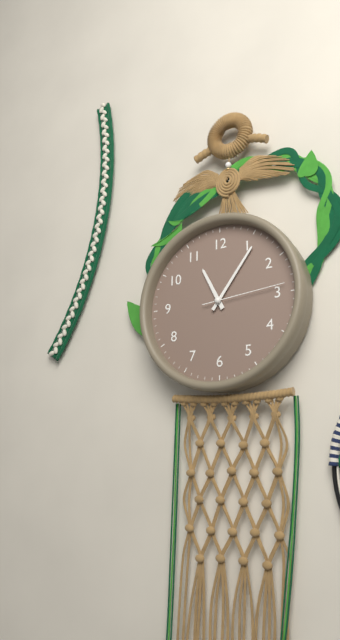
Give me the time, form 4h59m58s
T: 11h06m14s
